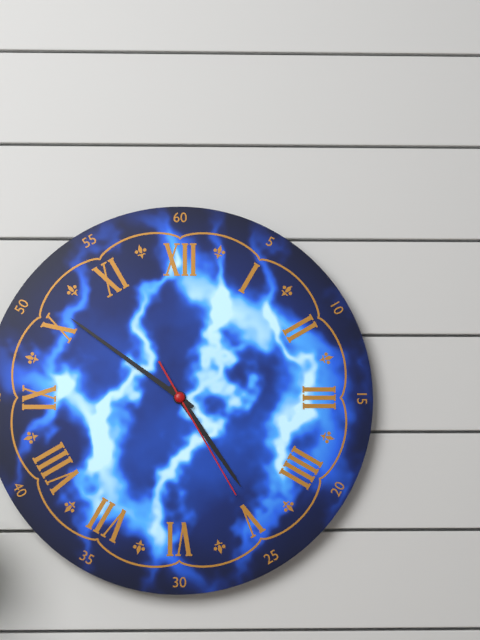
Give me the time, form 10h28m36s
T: 4h51m25s
